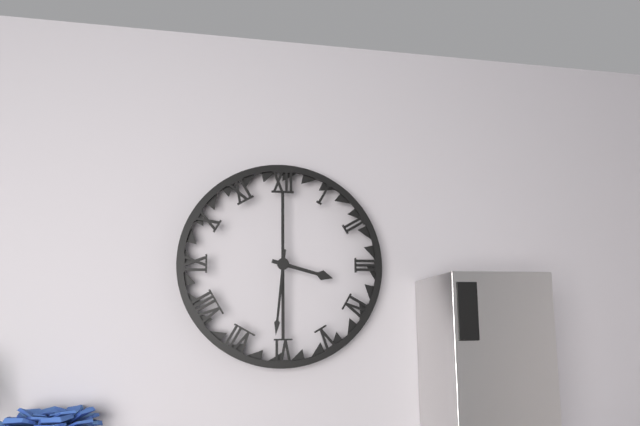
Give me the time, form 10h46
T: 3h31
